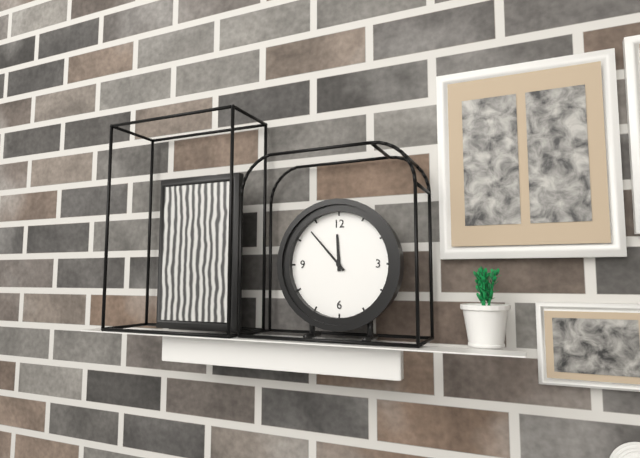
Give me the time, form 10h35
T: 11h53
